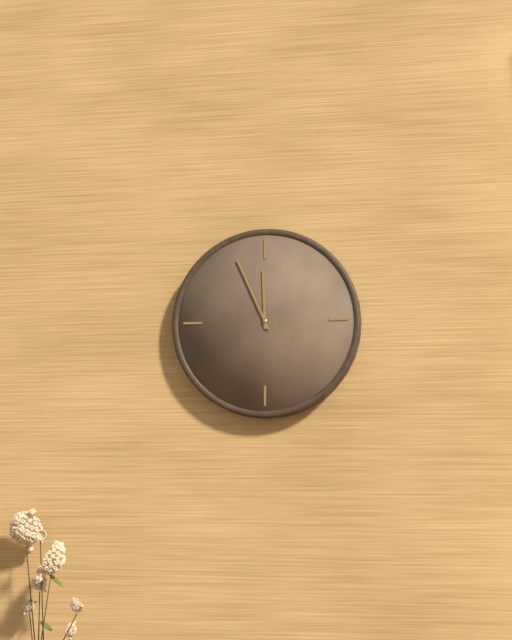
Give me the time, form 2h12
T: 11h56
